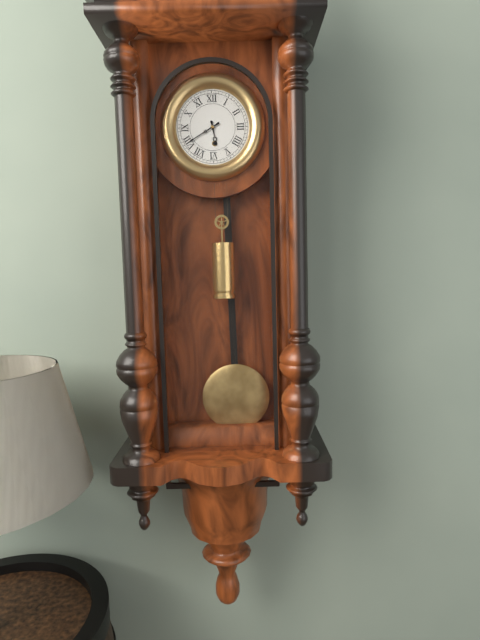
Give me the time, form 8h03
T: 5h40
